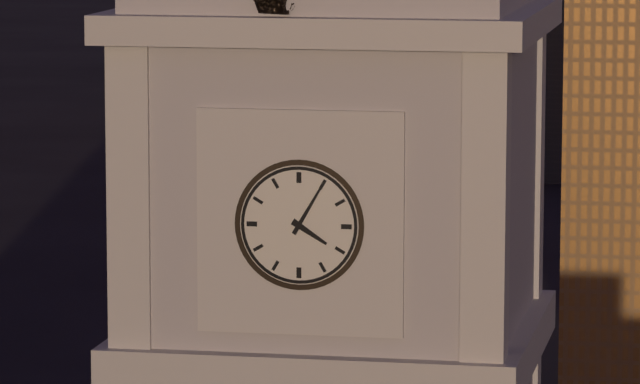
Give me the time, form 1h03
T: 4h05
